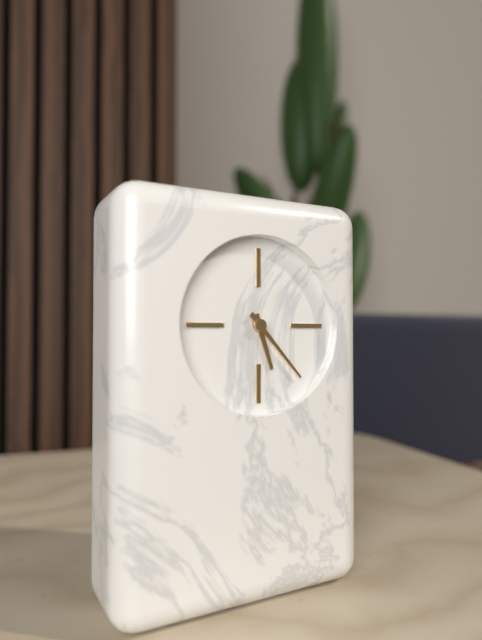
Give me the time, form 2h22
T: 5h23
